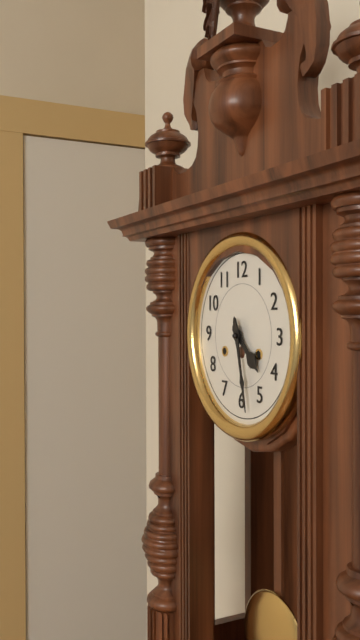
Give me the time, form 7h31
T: 4h28
